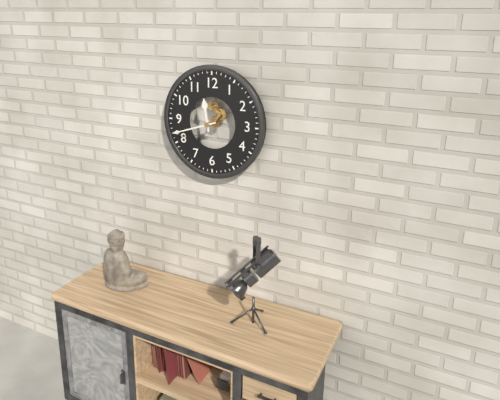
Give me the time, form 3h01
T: 11h42
